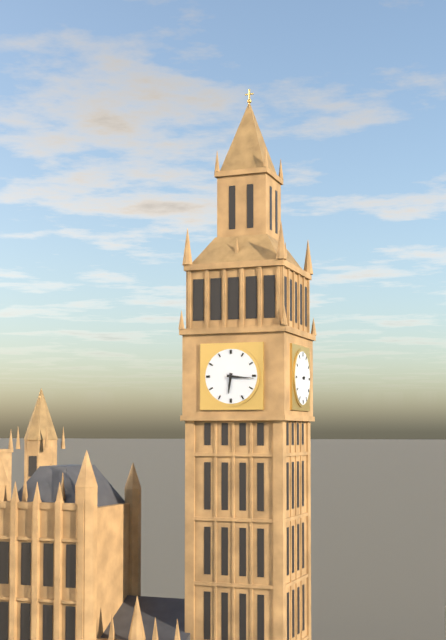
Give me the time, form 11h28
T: 6h16
